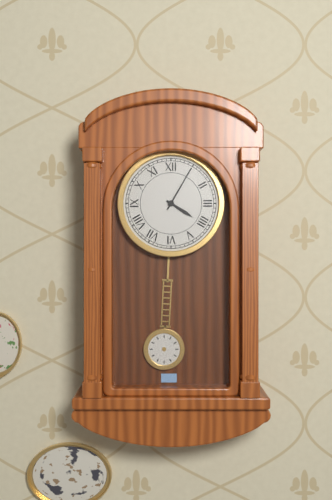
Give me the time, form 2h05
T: 4h05
